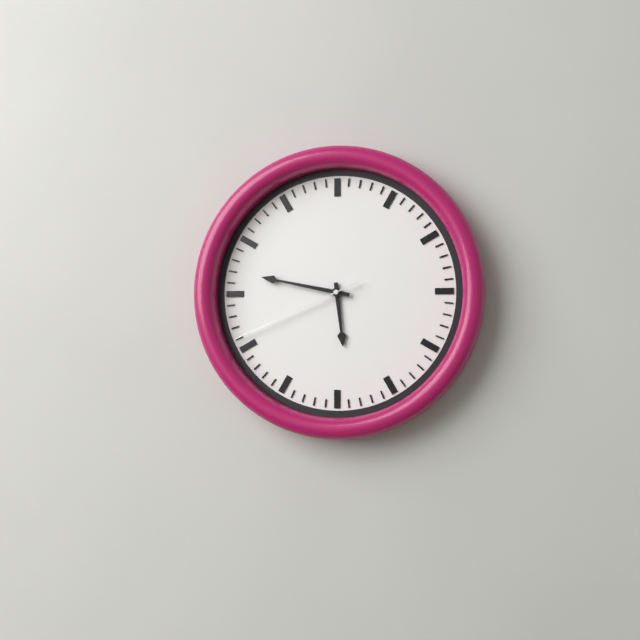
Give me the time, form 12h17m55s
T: 5h47m41s
